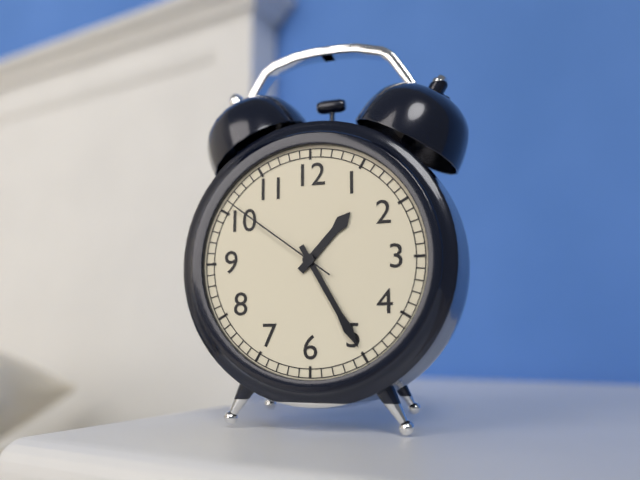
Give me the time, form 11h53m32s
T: 1h25m51s
